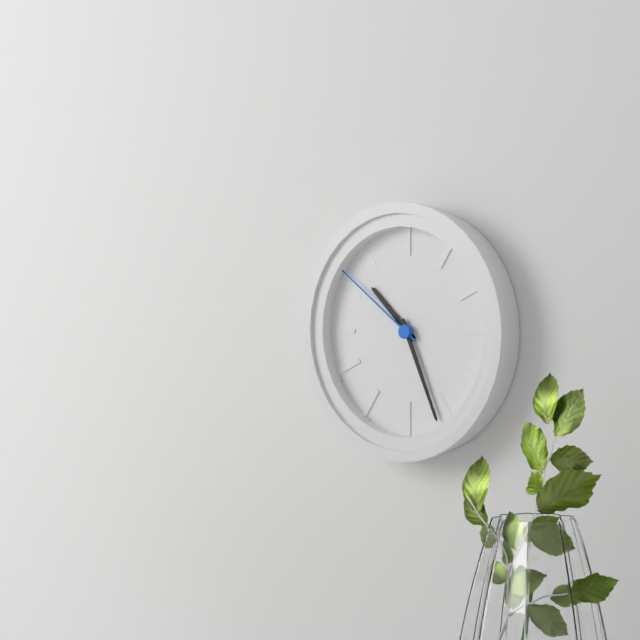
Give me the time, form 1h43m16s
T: 10h26m51s
